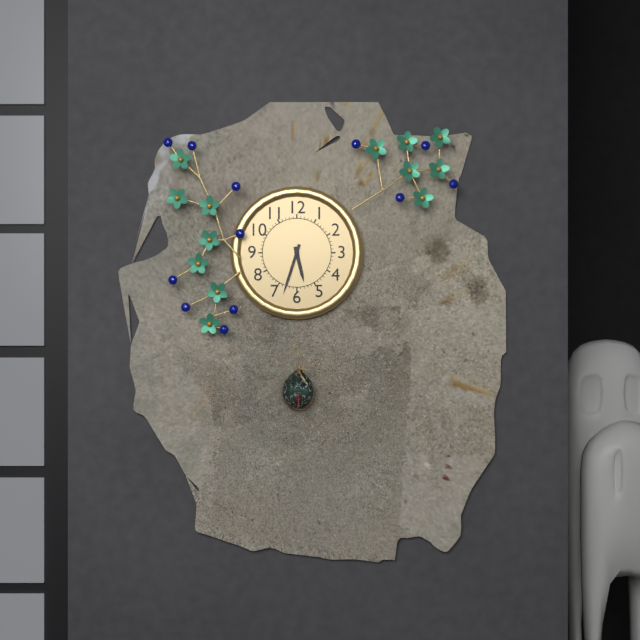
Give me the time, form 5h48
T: 5h33
